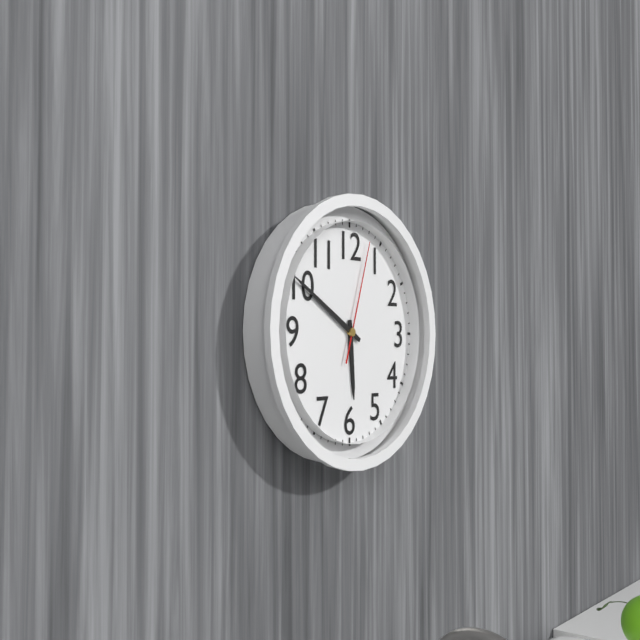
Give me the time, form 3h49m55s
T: 5h50m03s
